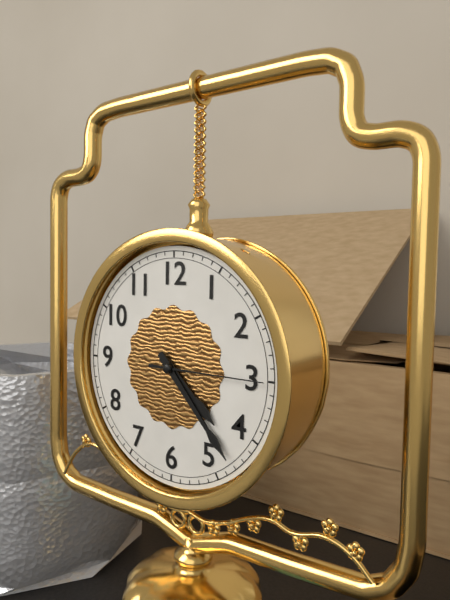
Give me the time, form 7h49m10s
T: 4h23m15s
